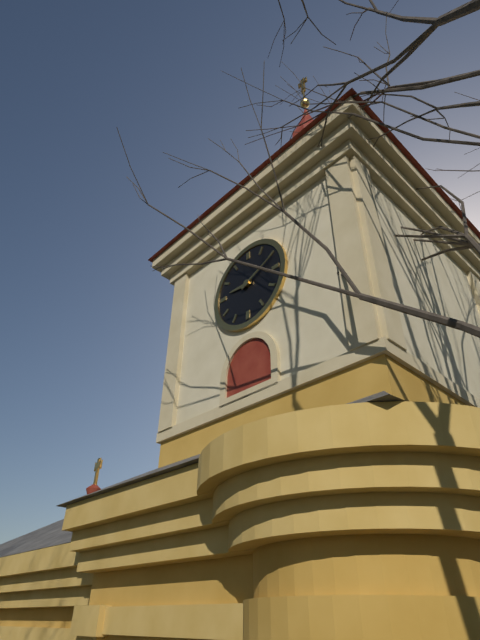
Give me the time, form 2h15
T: 9h11
